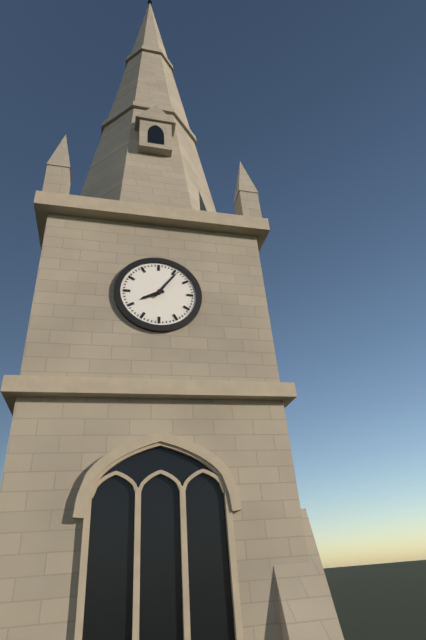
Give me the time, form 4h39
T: 8h06
